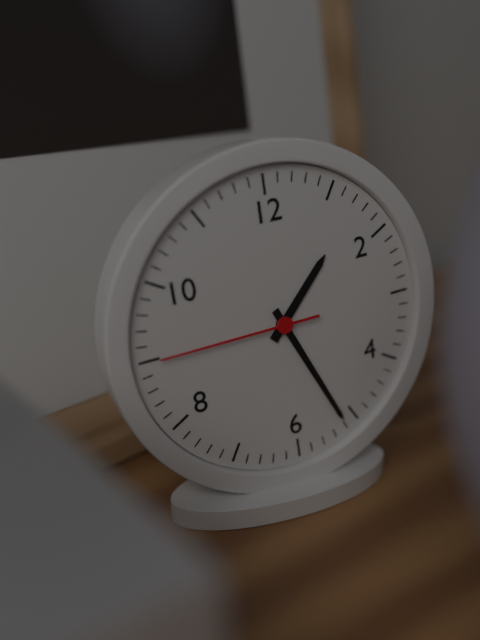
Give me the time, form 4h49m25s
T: 1h26m45s
